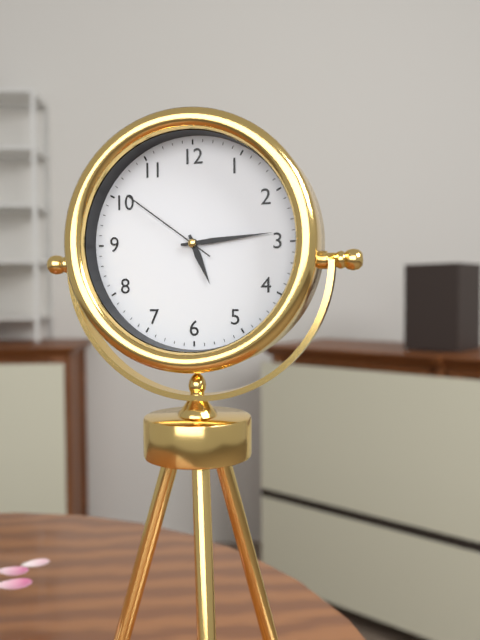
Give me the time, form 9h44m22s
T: 5h14m51s
